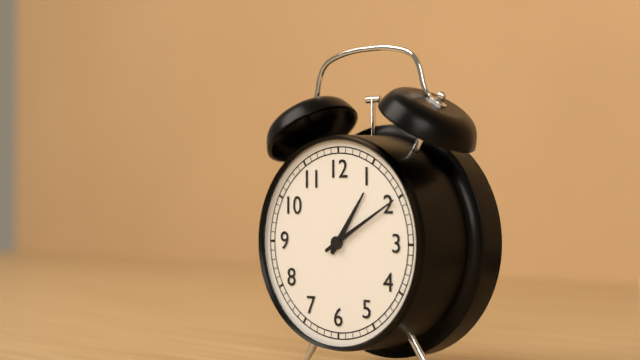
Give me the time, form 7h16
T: 1h10
